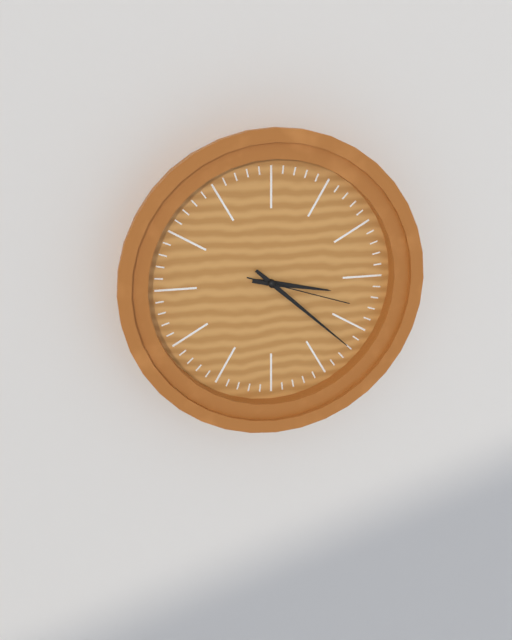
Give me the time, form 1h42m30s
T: 3h22m18s
